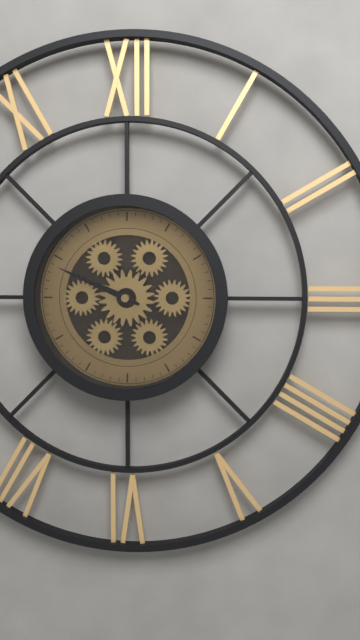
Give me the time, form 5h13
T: 9h49
